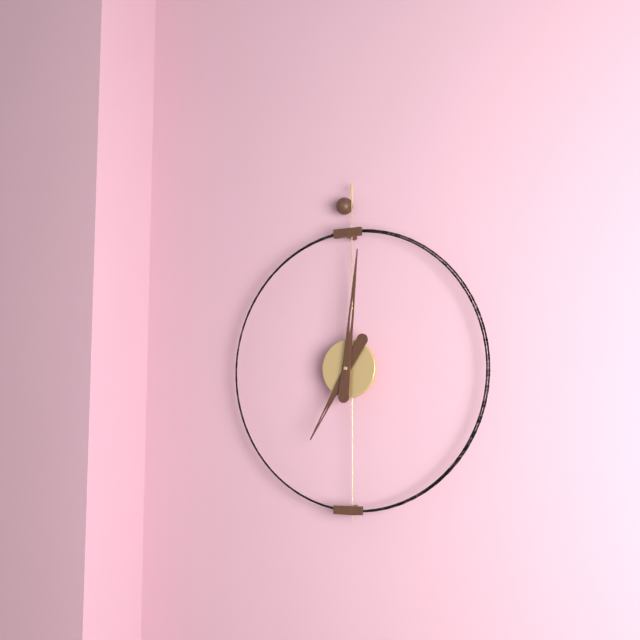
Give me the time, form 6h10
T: 7h01
